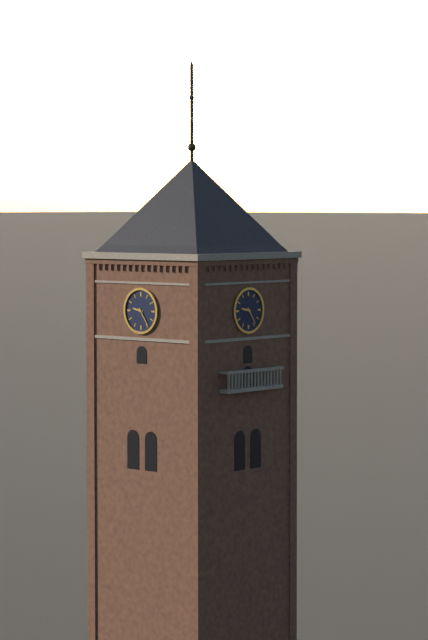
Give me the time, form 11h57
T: 9h24
